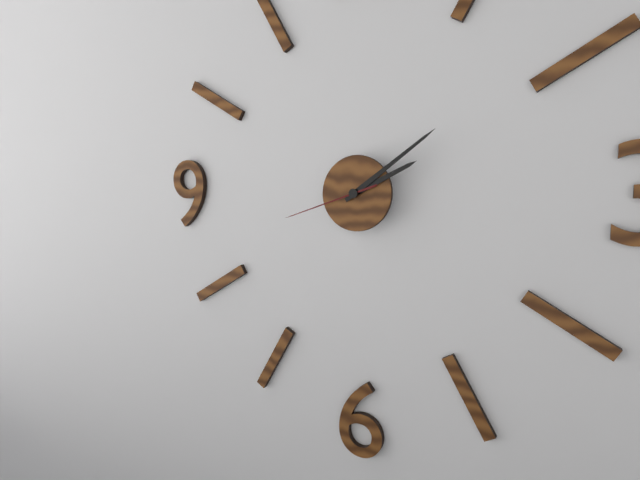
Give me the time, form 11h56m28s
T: 2h09m42s
